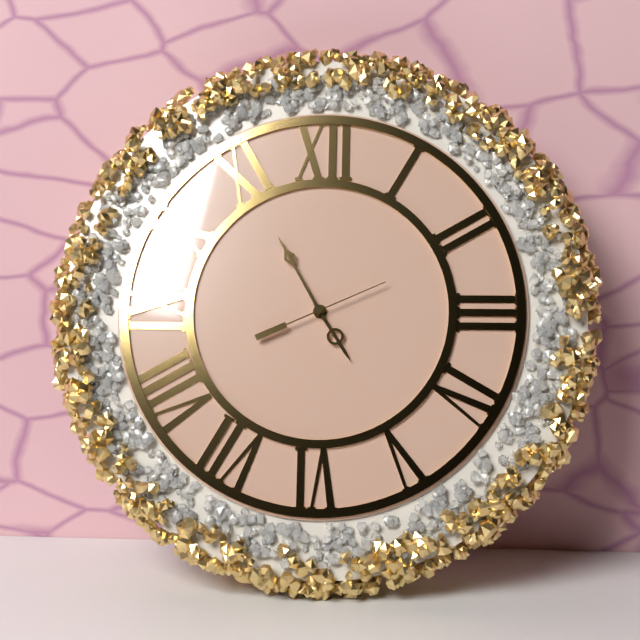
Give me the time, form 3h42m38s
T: 4h55m11s
